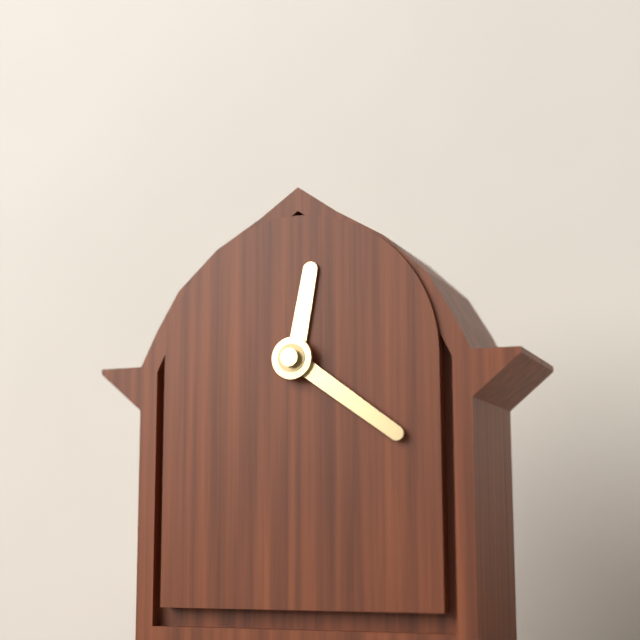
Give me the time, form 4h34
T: 12h21
